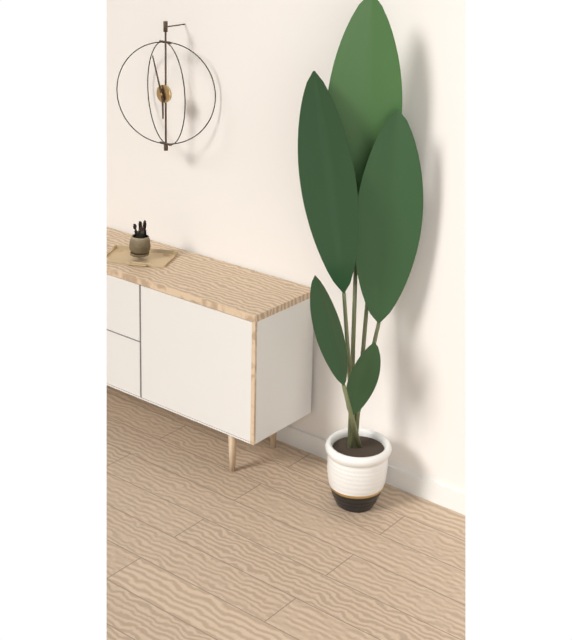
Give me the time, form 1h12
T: 5h57
